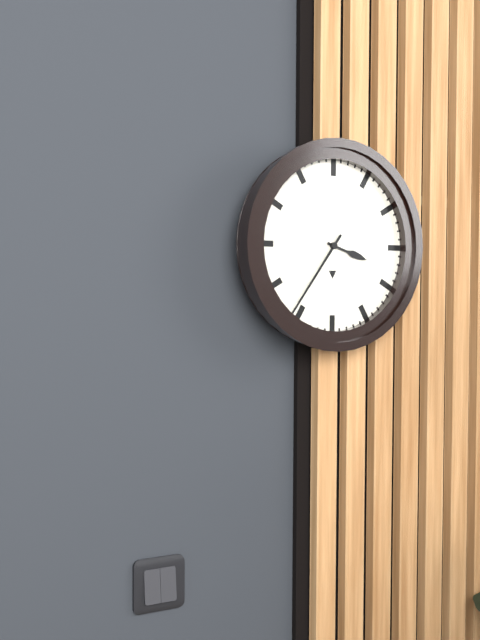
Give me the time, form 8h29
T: 3h36
